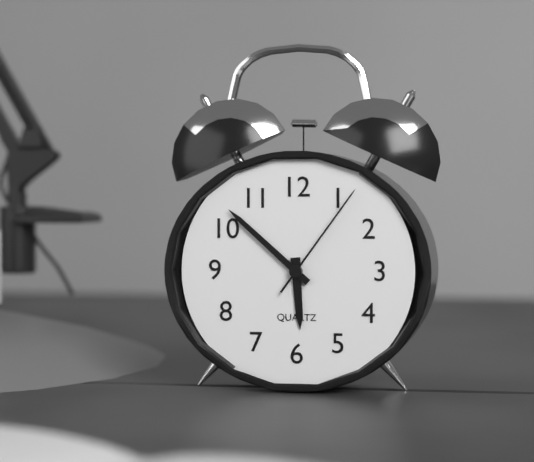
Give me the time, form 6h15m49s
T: 5h52m06s
